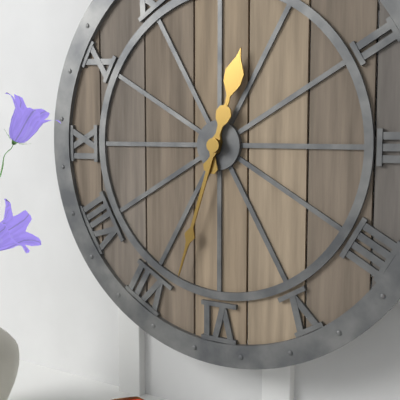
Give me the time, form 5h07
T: 12h33
